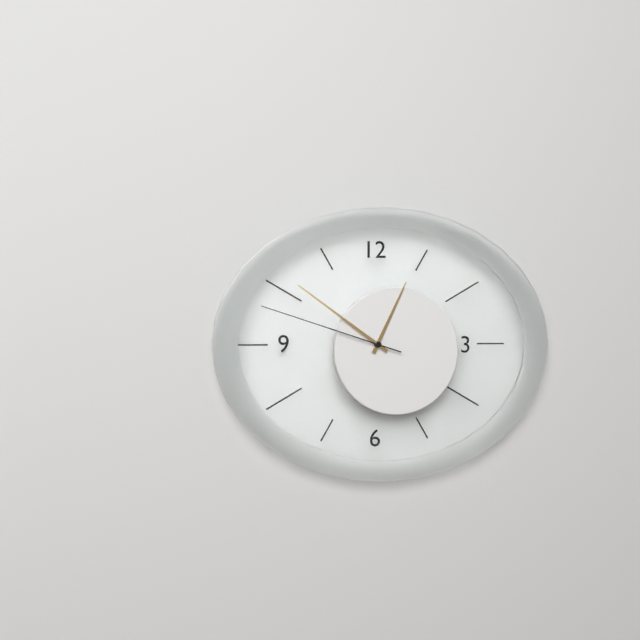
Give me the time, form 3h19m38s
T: 12h51m48s
